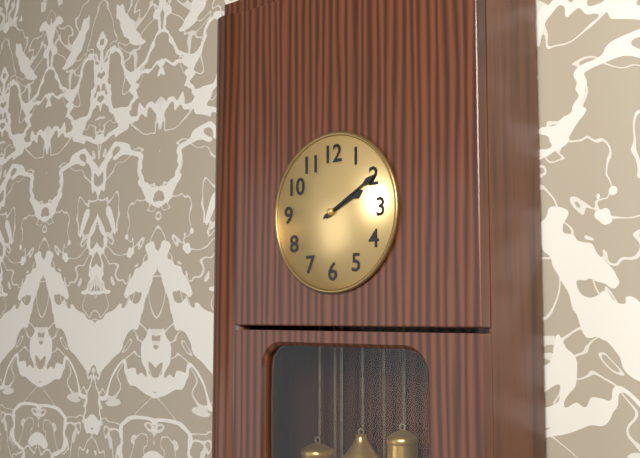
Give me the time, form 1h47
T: 2h10
